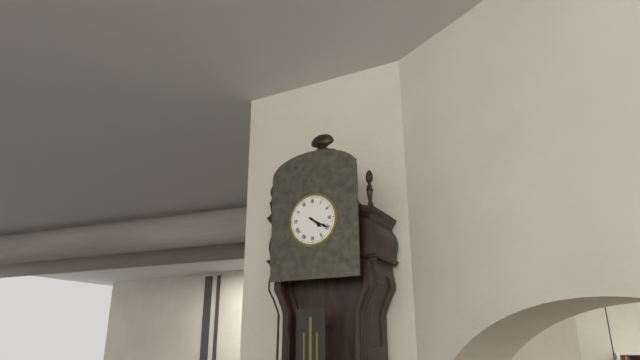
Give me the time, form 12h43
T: 4h20
